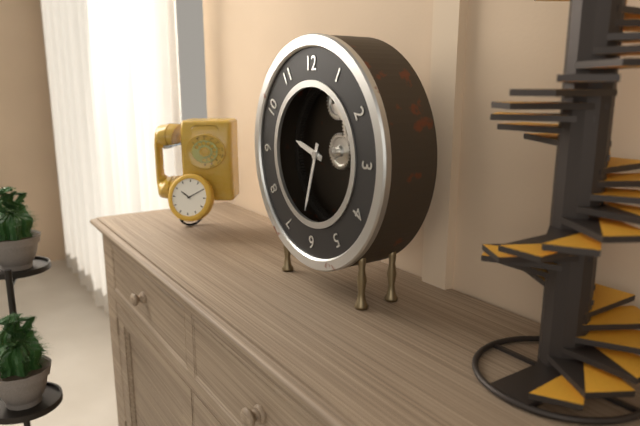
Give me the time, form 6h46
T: 9h33
